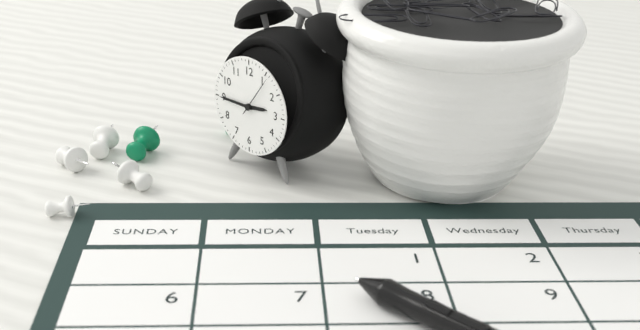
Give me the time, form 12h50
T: 2h45
